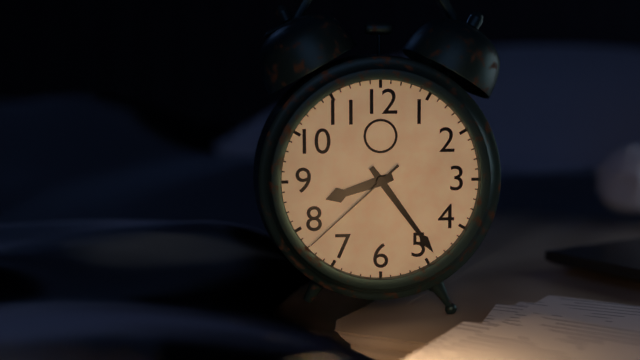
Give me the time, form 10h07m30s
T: 8h24m38s
